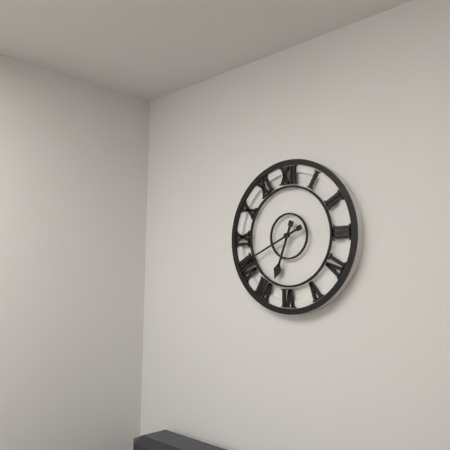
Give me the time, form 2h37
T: 6h41
